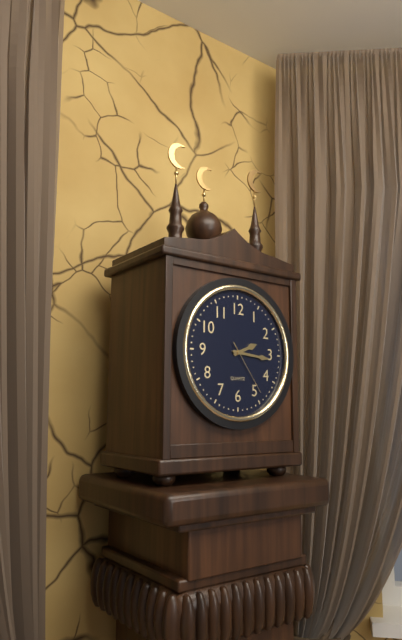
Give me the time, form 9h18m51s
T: 2h16m24s
